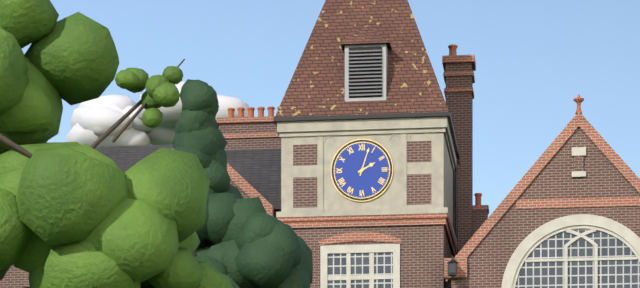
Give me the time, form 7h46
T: 2h03
